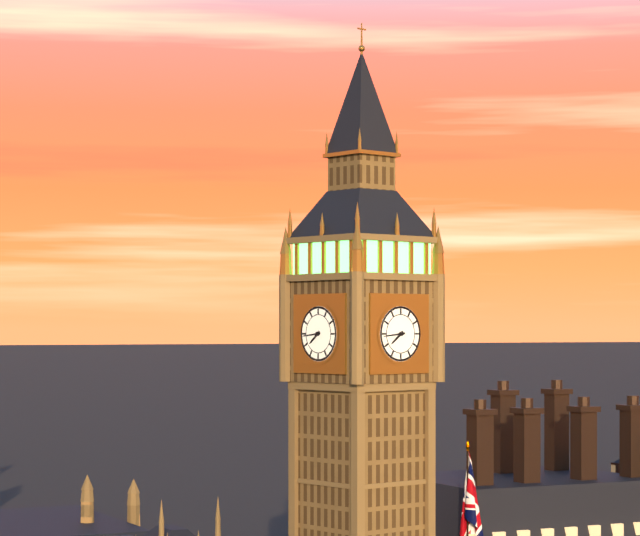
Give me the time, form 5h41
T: 7h44
